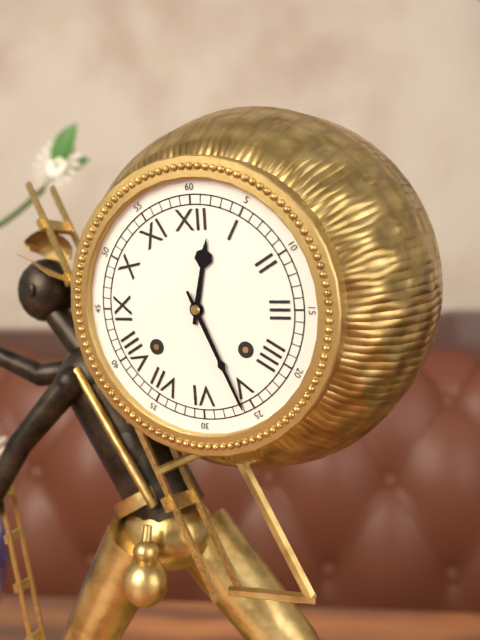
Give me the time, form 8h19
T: 12h26
